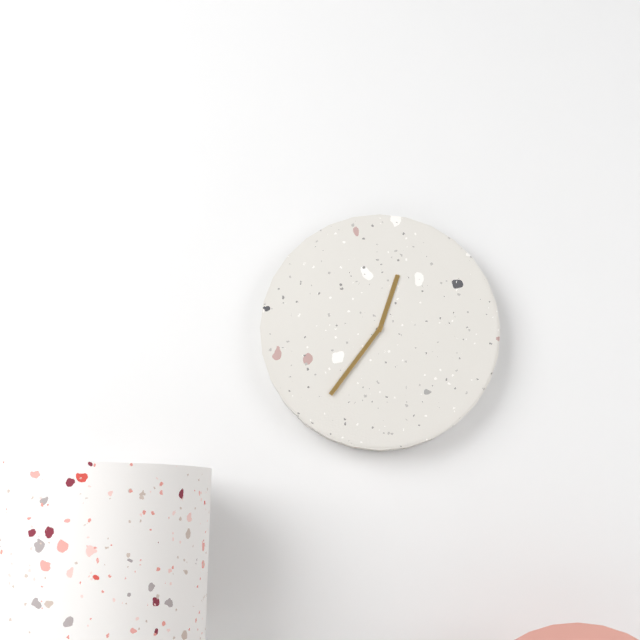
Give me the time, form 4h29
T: 12h36
